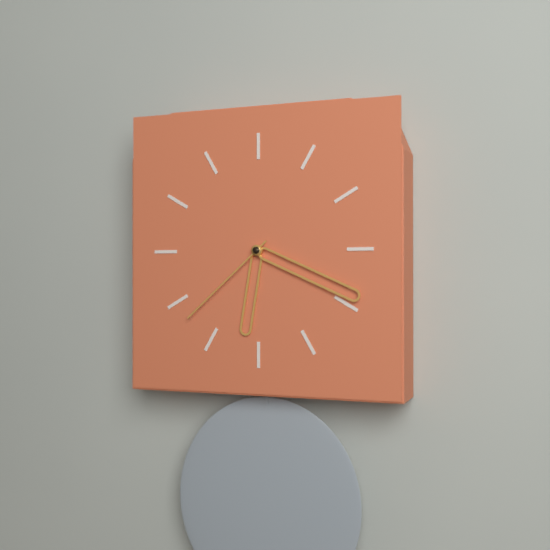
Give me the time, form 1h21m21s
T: 6h19m38s
